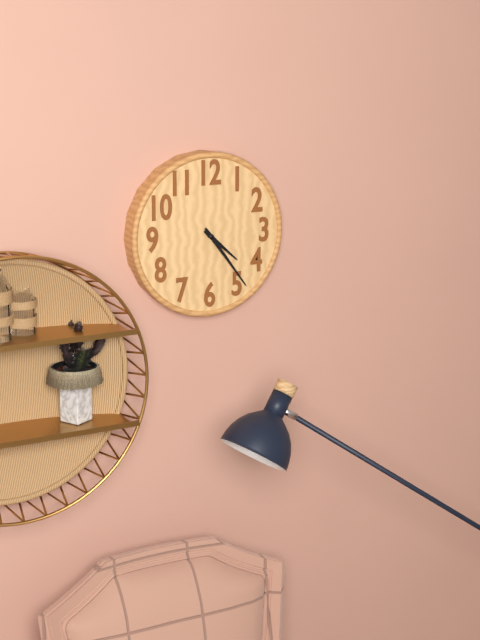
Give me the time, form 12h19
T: 4h24
